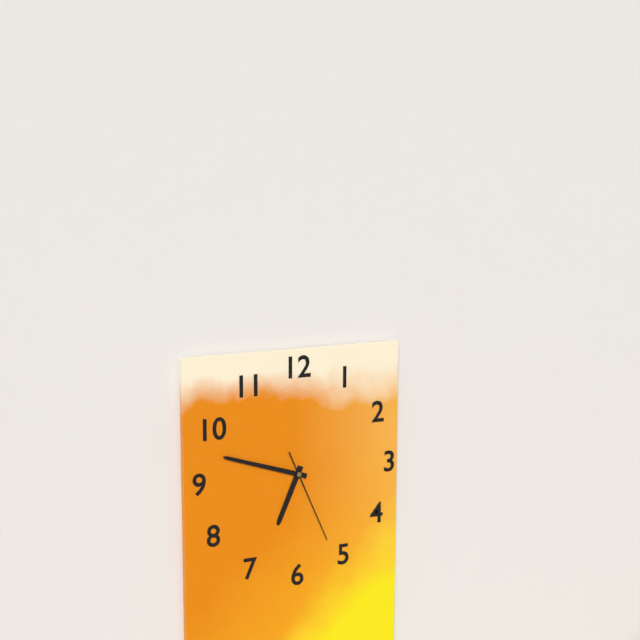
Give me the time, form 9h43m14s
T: 6h48m26s
